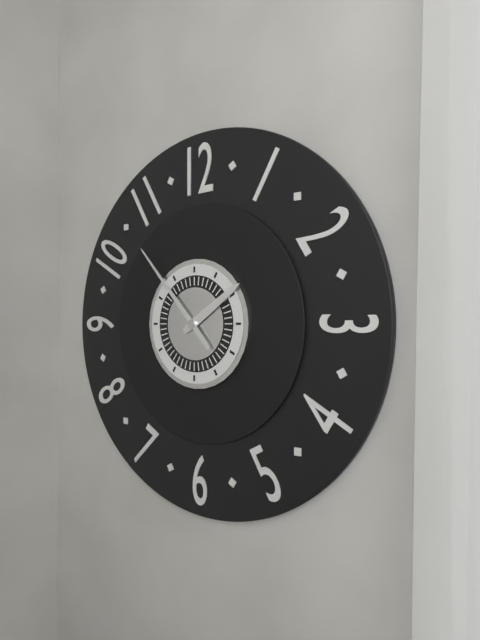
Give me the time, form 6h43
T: 1h53
